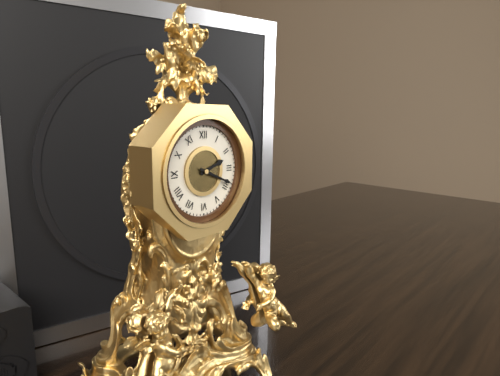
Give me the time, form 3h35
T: 2h19
